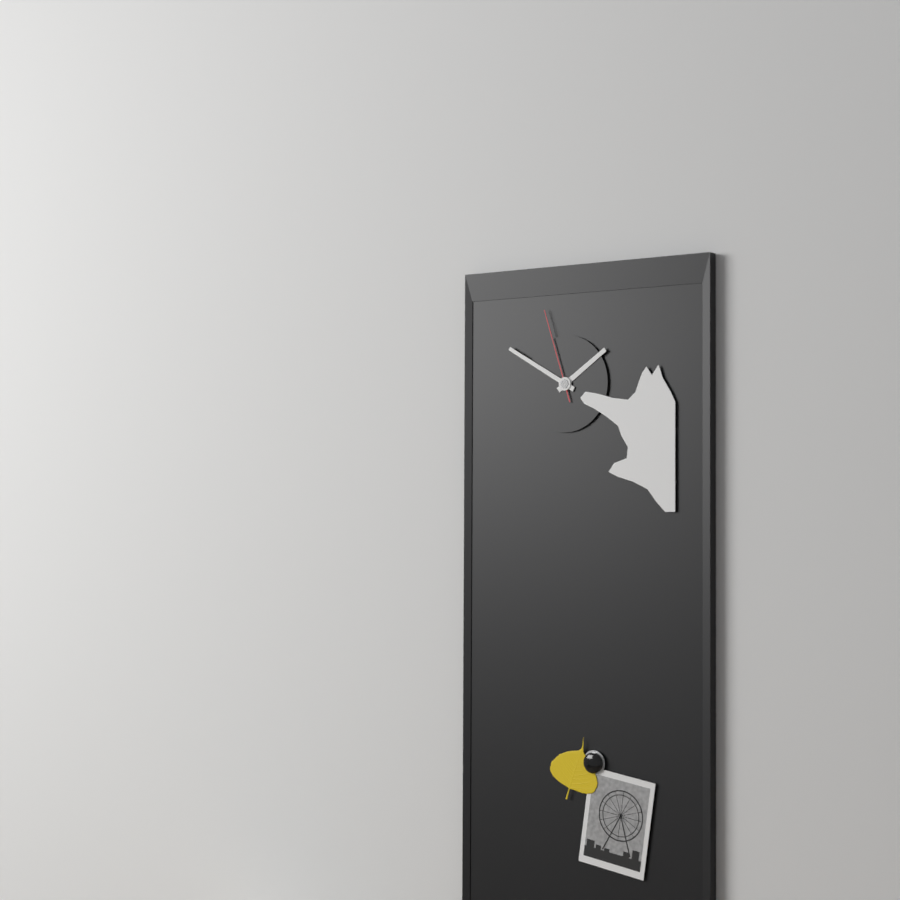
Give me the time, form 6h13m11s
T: 1h50m57s
